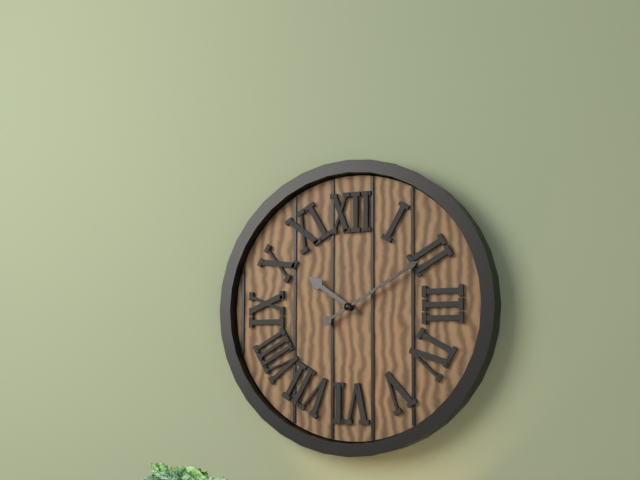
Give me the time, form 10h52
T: 10h10
